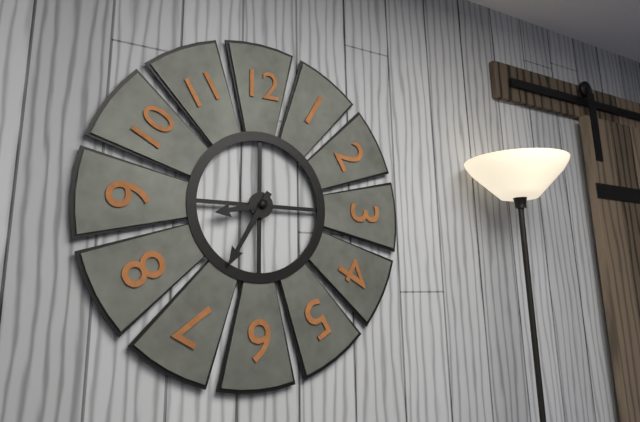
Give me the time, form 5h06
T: 8h35
